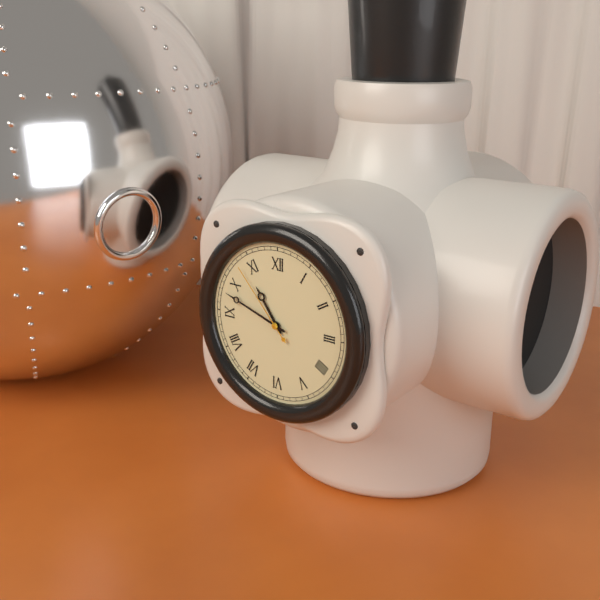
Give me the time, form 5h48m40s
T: 10h48m53s
